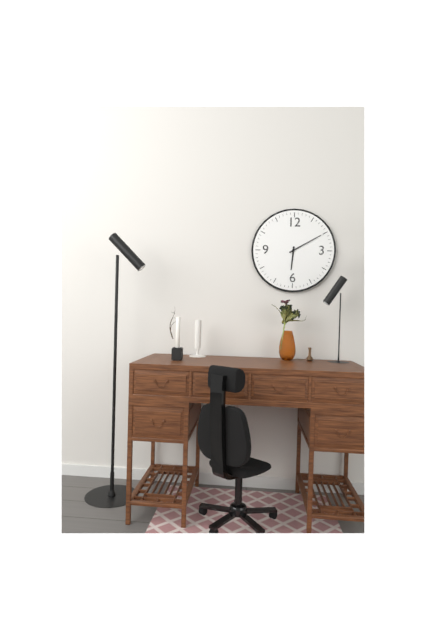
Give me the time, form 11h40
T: 6h10
